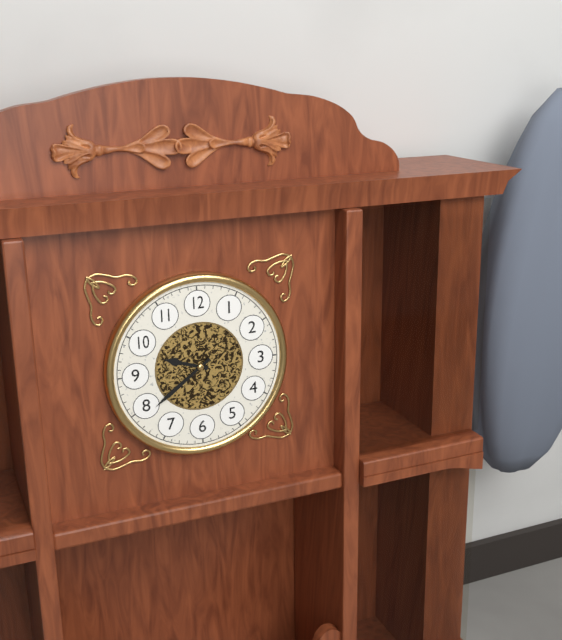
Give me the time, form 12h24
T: 9h39
